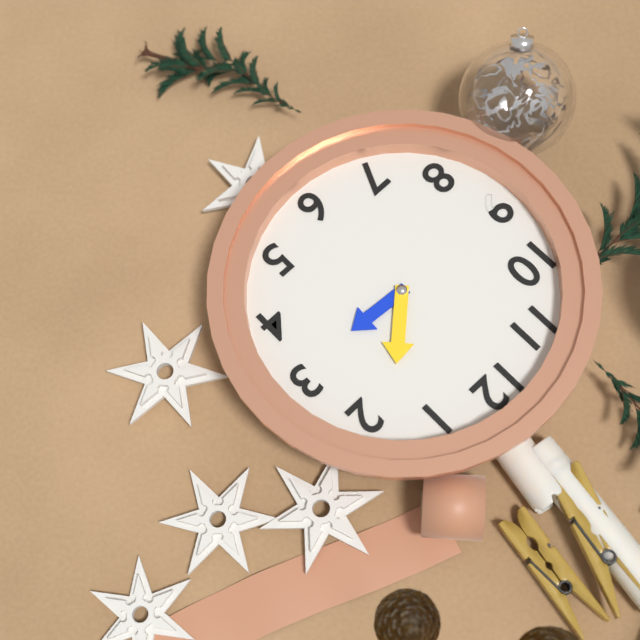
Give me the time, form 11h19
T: 3h08
